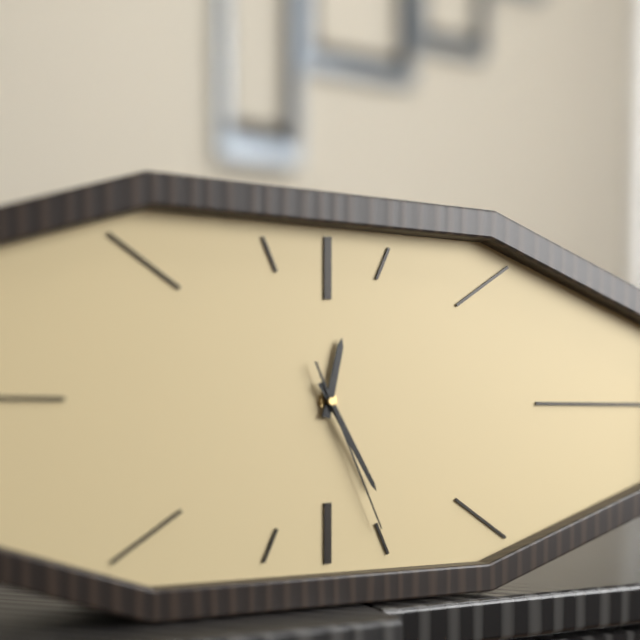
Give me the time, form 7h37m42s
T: 12h25m26s
